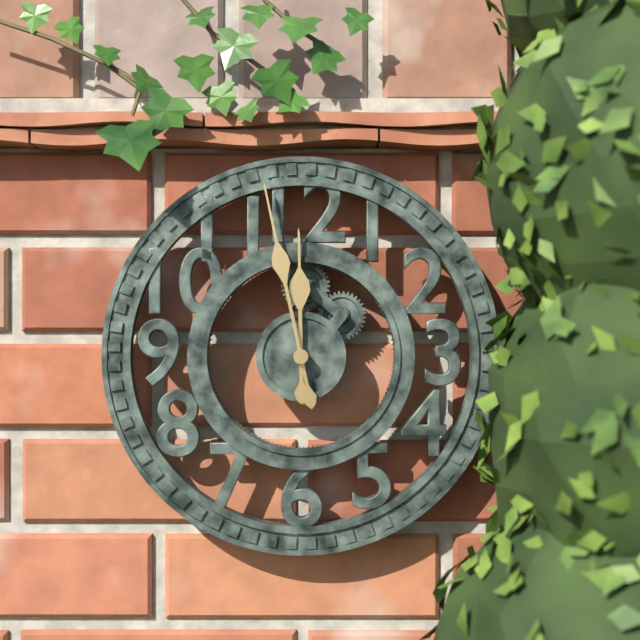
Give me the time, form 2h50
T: 11h58
